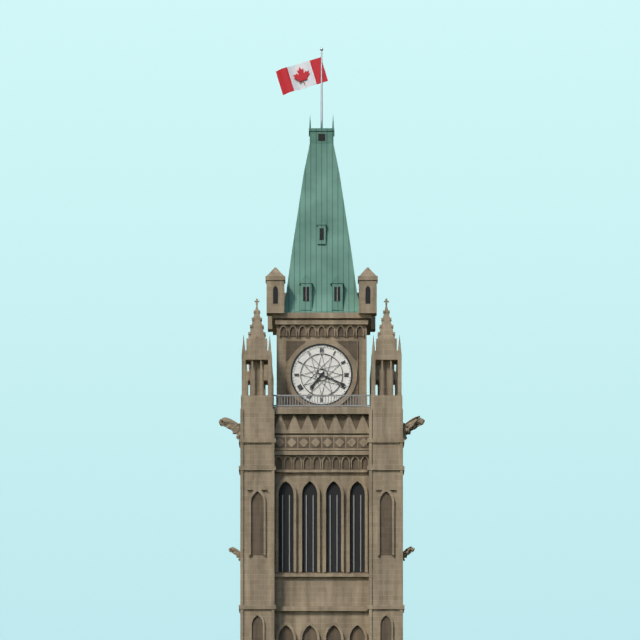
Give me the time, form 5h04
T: 7h19
